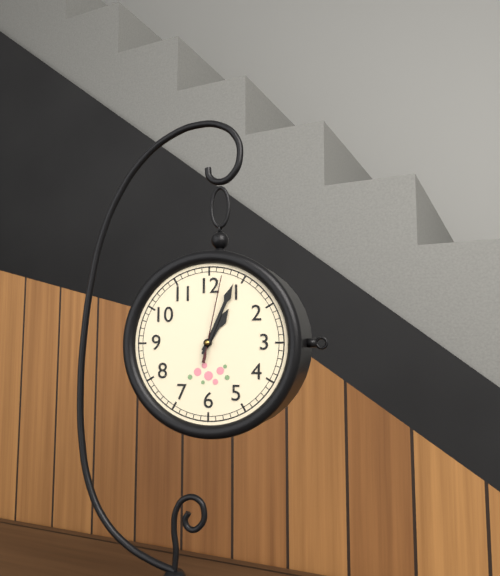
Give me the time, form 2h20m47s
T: 1h04m02s
